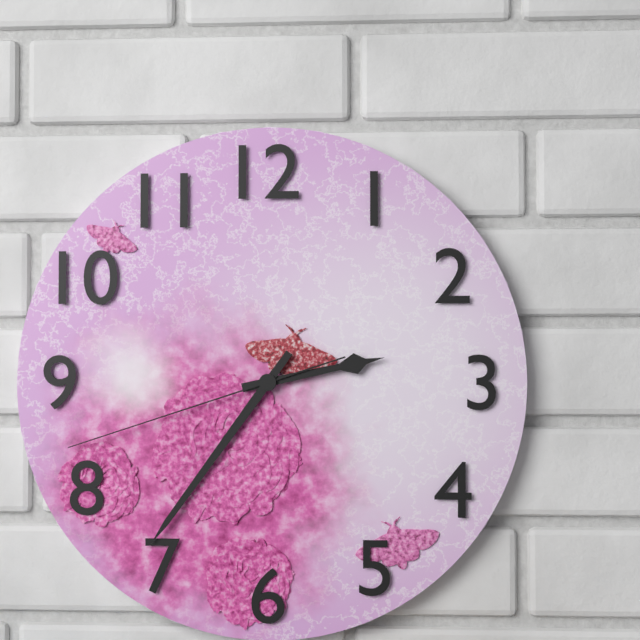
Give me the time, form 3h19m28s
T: 2h36m42s
